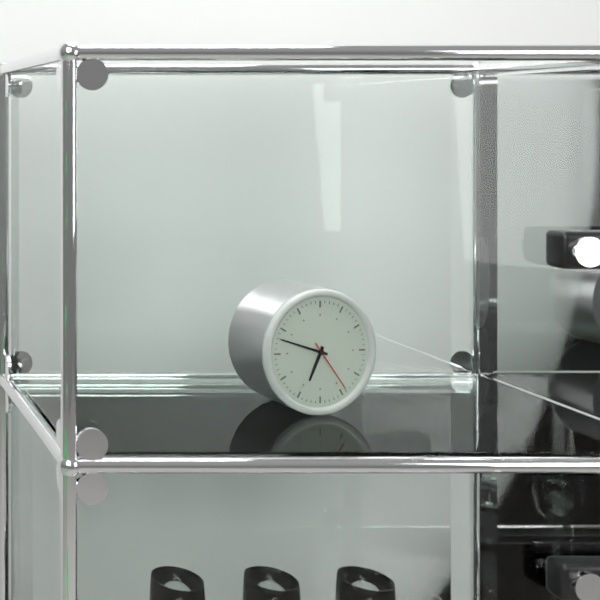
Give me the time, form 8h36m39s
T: 6h48m24s
